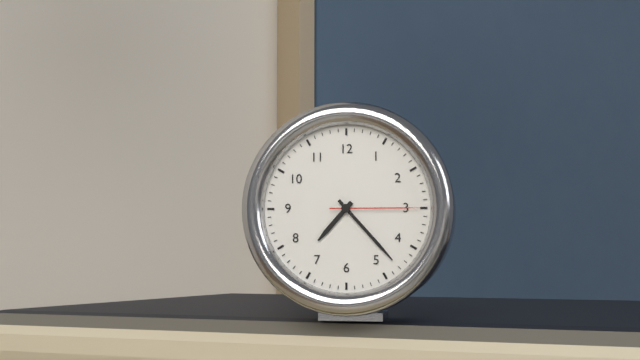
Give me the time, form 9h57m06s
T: 7h23m15s
